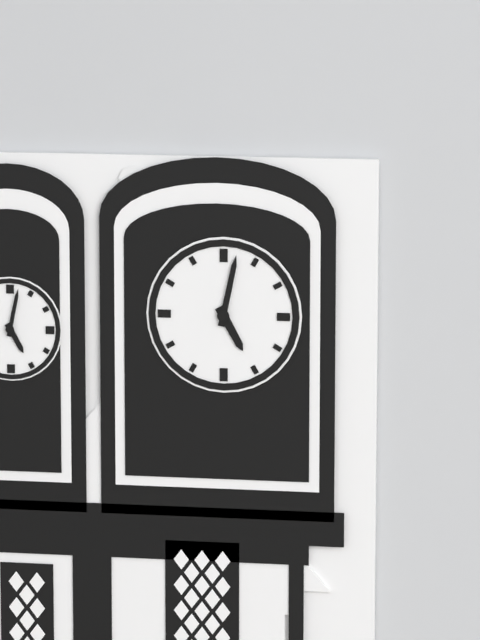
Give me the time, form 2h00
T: 5h02
